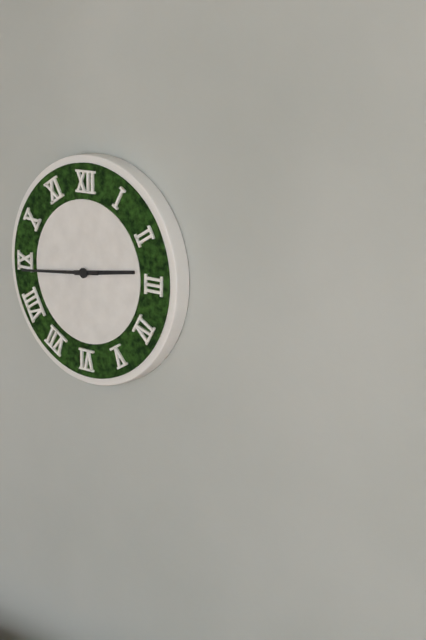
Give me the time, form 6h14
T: 2h44
